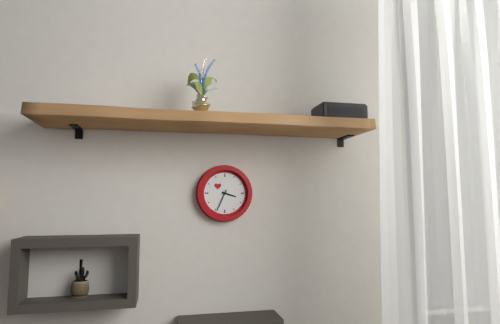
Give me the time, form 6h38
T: 3h34
